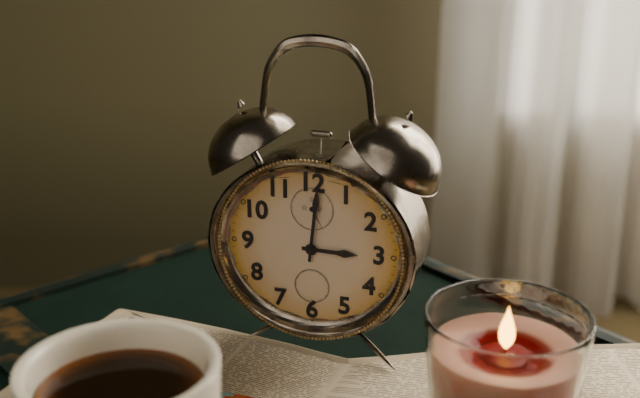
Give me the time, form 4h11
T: 3h01
